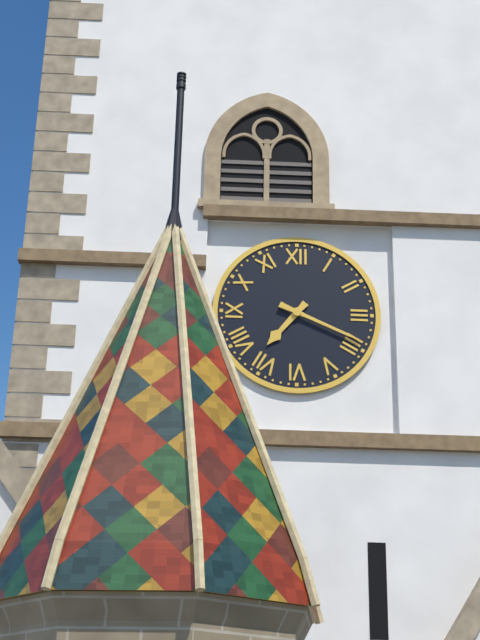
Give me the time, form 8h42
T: 7h19
